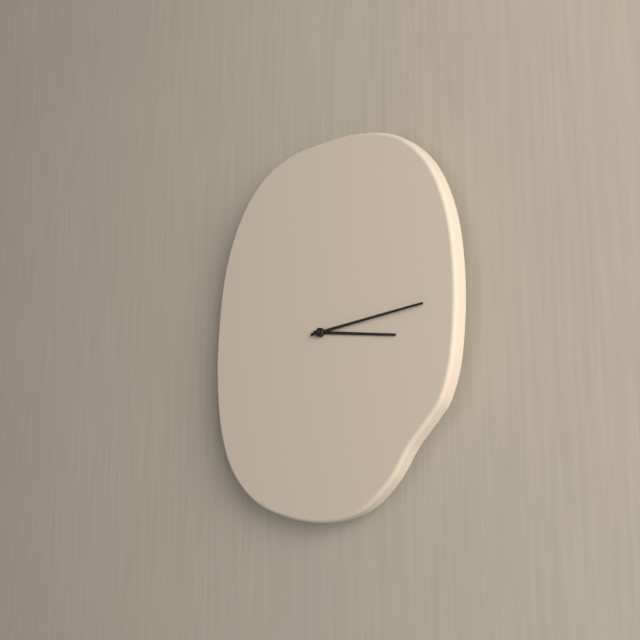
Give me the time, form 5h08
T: 3h14
